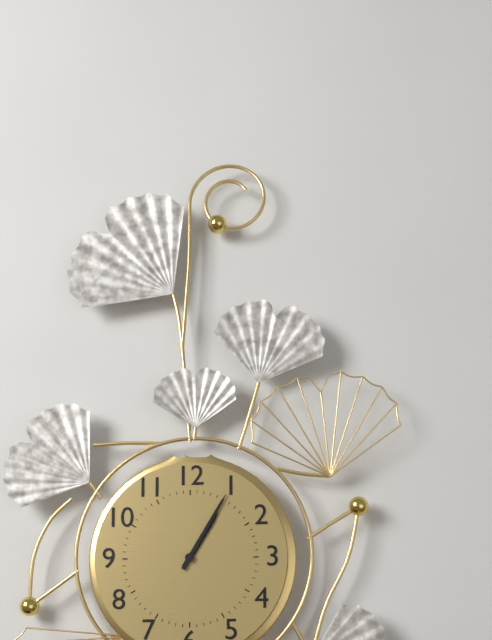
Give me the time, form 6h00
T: 1h05
